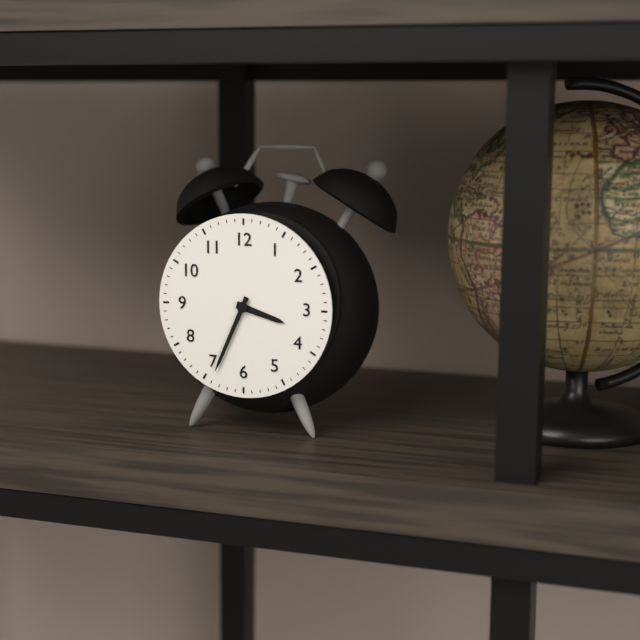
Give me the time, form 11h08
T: 3h34
